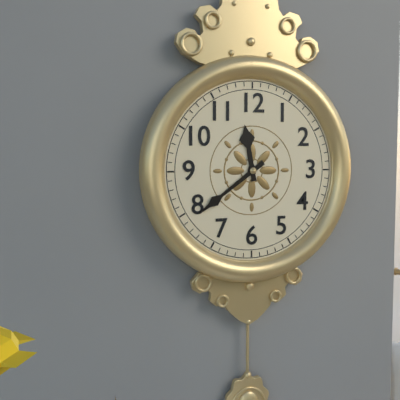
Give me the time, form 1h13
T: 11h39
